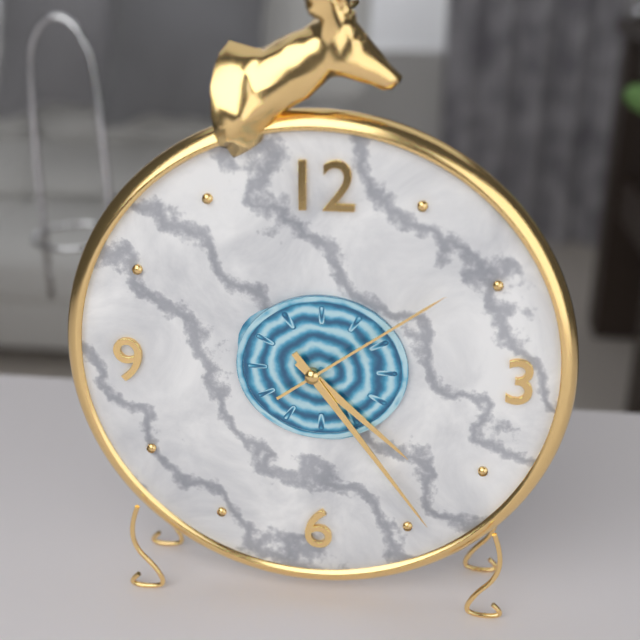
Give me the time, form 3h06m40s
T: 4h24m09s
